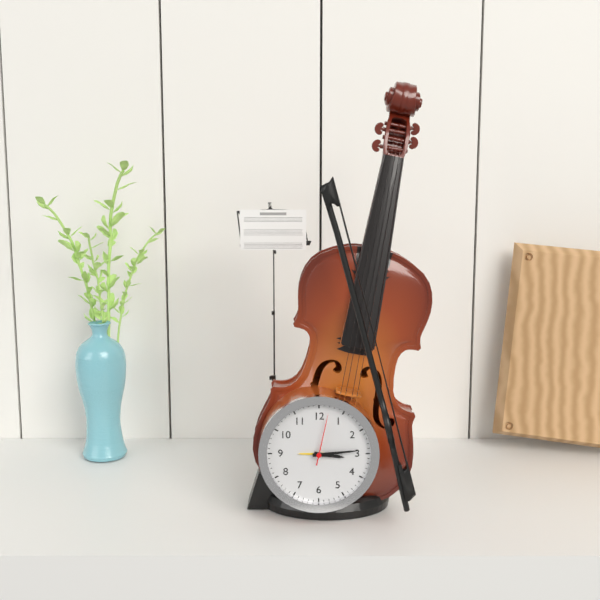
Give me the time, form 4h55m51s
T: 3h14m02s
